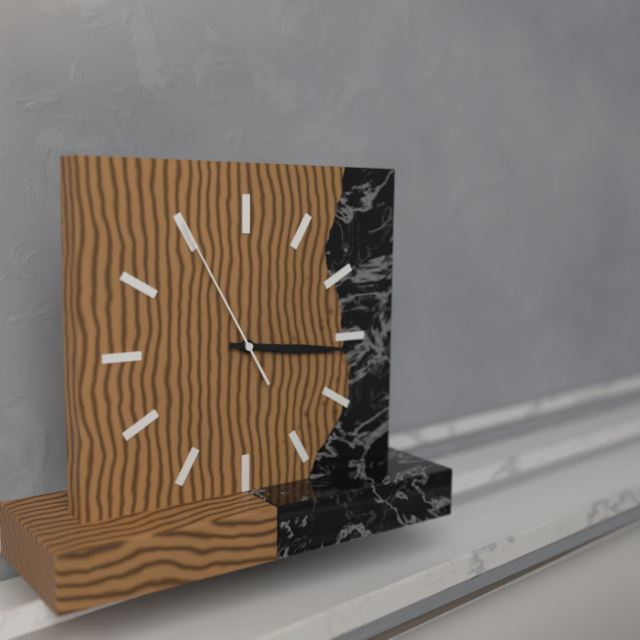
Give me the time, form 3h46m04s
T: 3h16m55s
